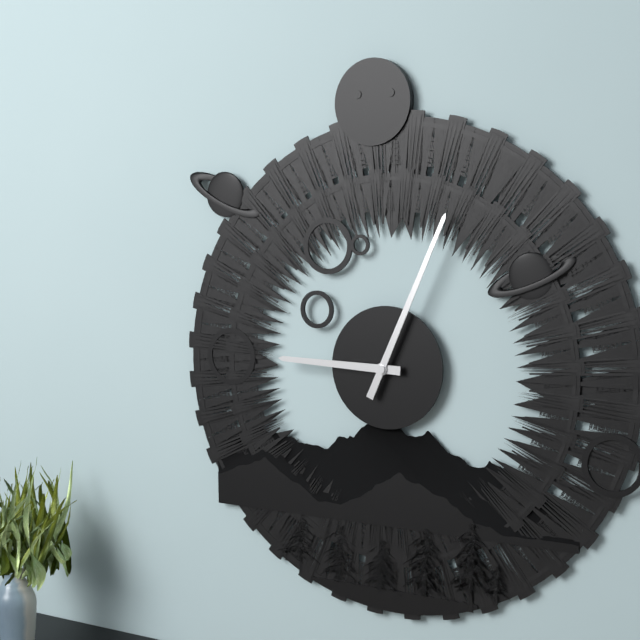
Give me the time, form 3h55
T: 9h04
